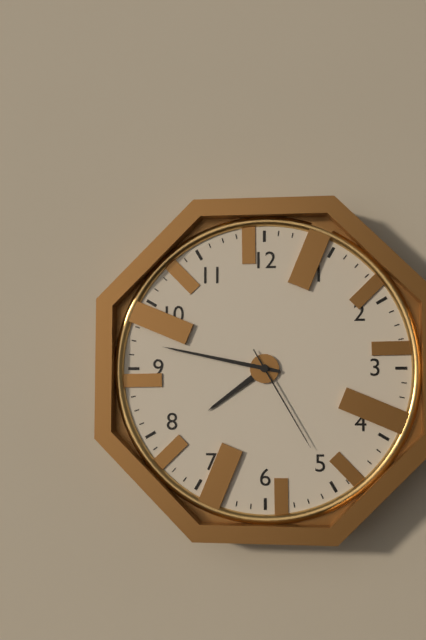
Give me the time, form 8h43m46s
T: 7h47m25s
